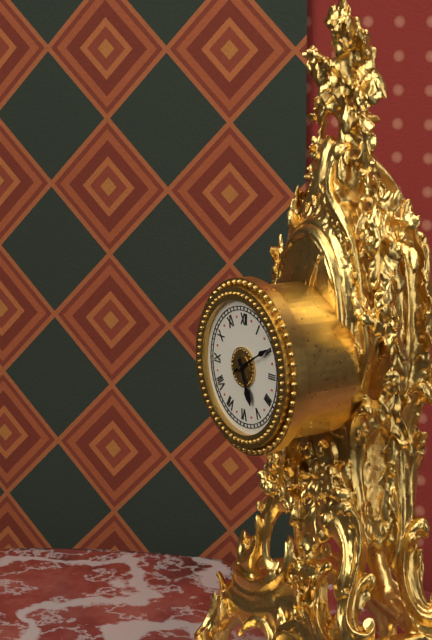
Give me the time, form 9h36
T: 5h10
